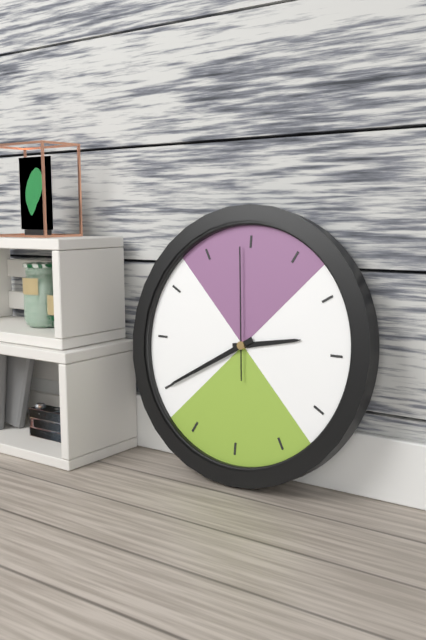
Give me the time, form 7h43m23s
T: 2h40m59s
